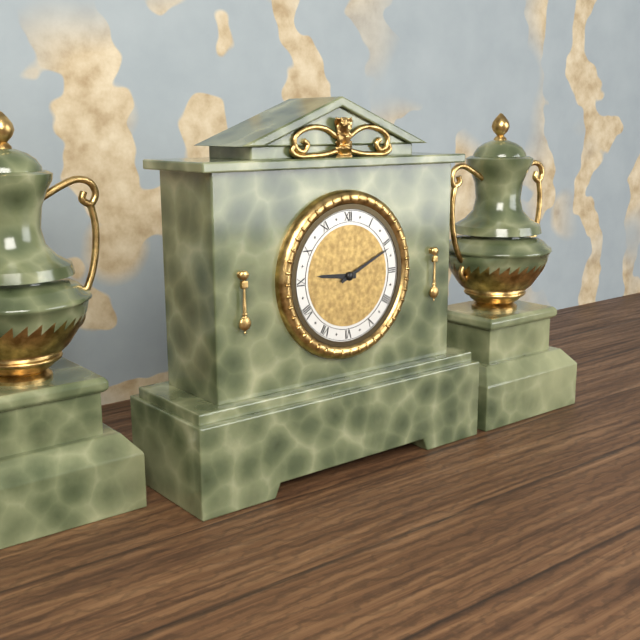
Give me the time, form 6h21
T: 9h11
